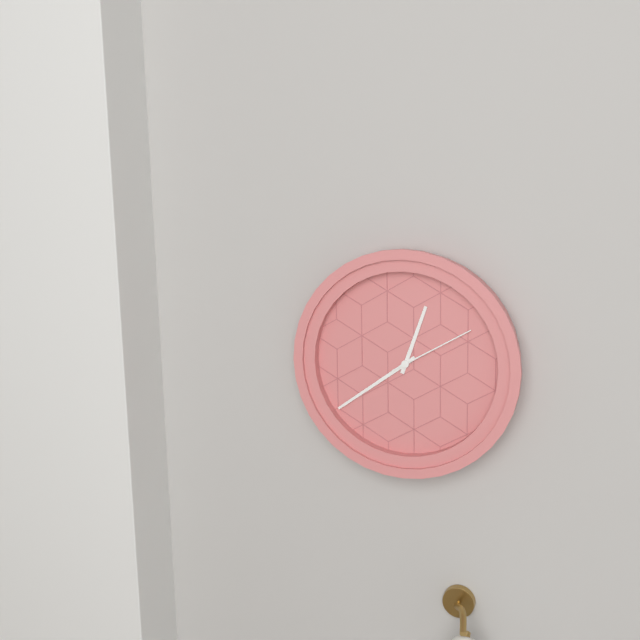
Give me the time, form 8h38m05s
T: 12h39m10s
